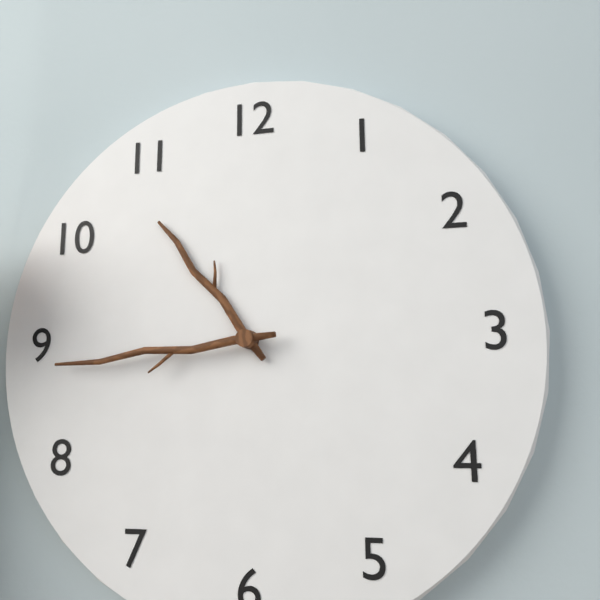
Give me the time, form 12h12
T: 10h44
